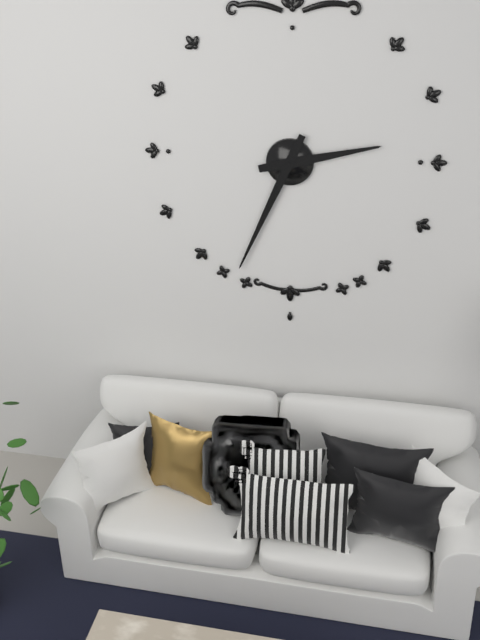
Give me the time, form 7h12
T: 2h34
